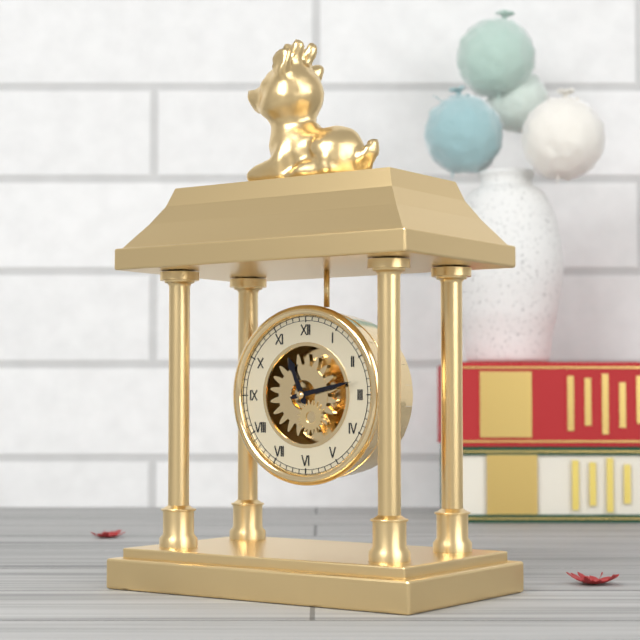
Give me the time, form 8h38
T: 11h13
